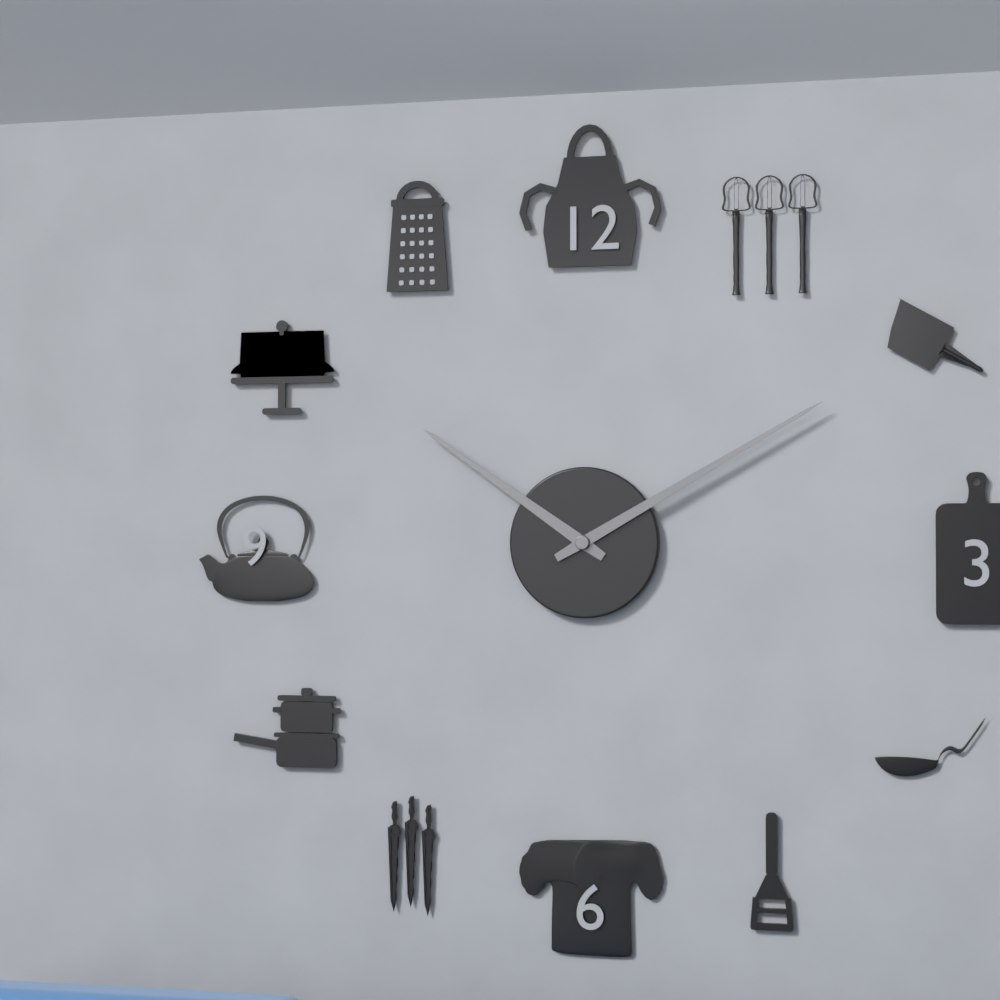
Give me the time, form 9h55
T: 10h10
